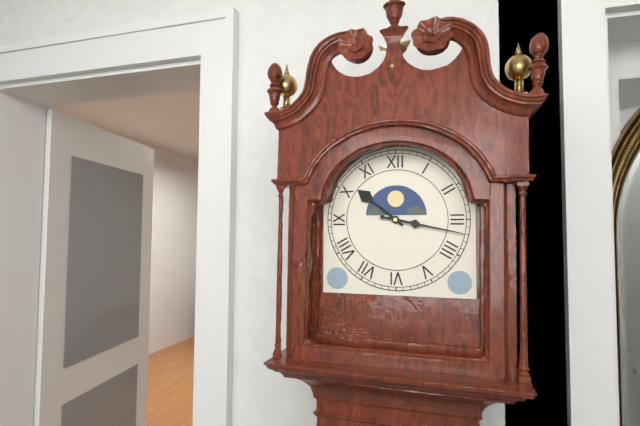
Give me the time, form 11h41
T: 10h17
